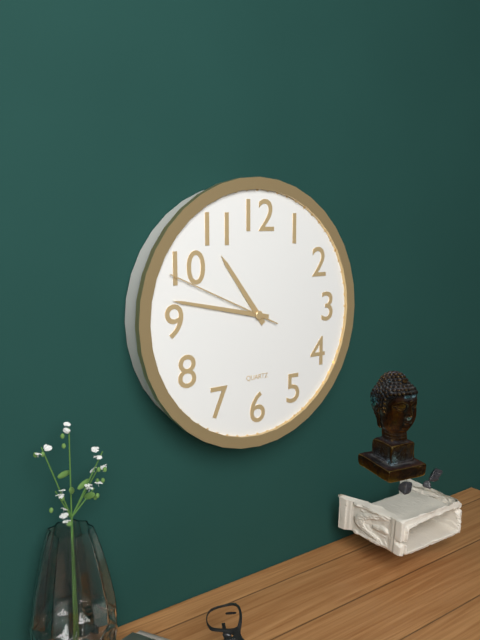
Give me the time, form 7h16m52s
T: 10h47m49s
